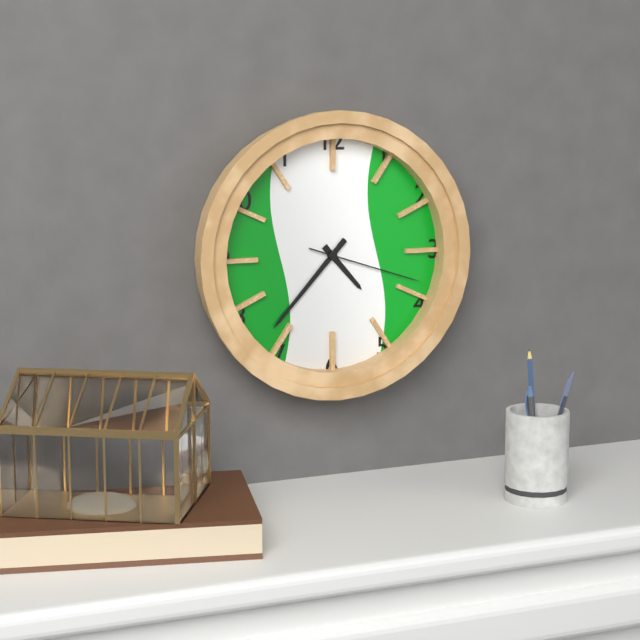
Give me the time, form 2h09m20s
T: 4h37m18s
